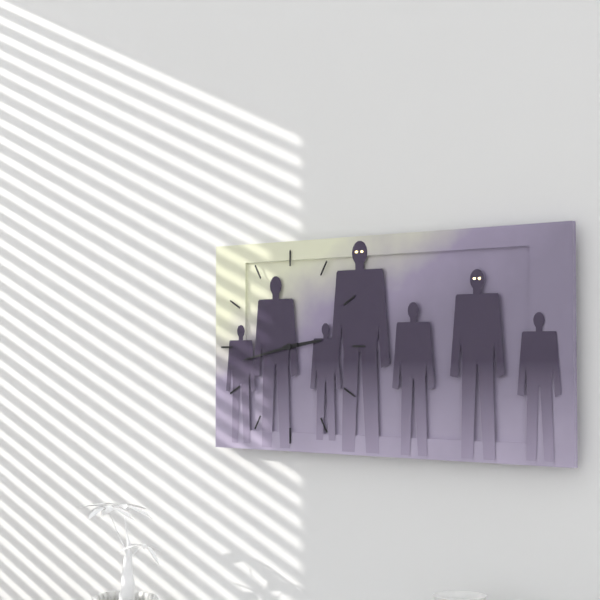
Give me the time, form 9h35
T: 2h43
